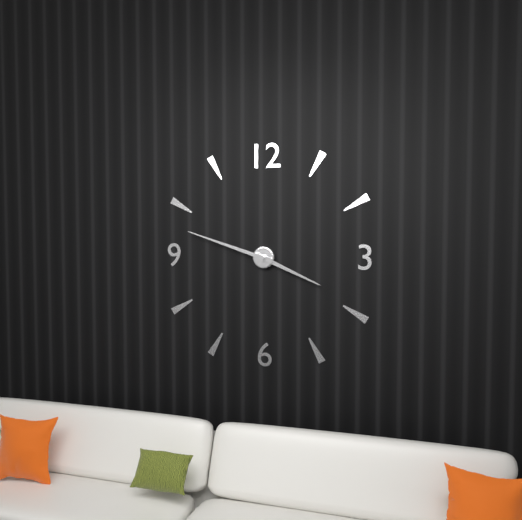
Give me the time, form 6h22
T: 3h48
